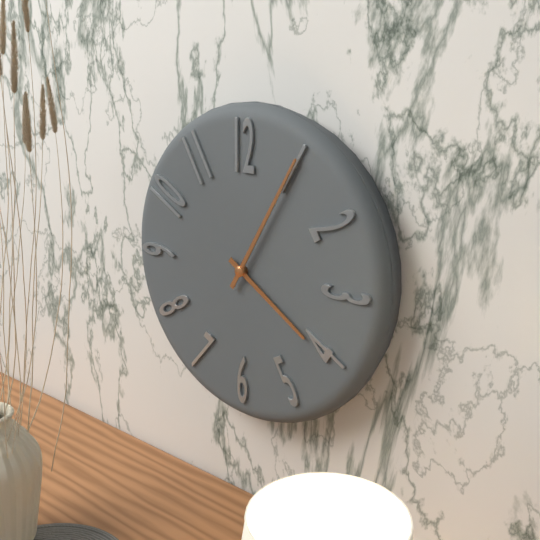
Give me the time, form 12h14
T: 4h05
